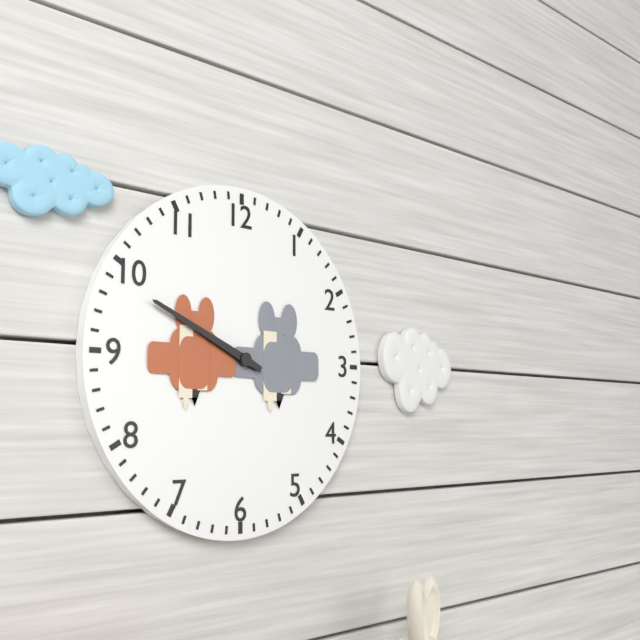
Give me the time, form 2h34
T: 9h49
